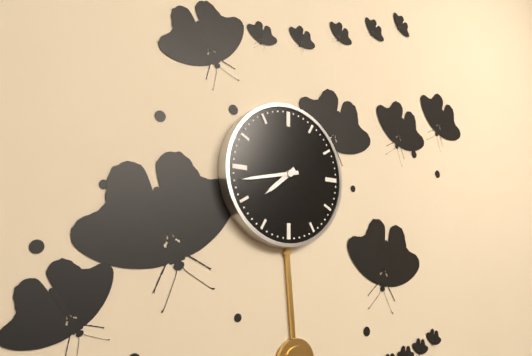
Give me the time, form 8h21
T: 7h43
